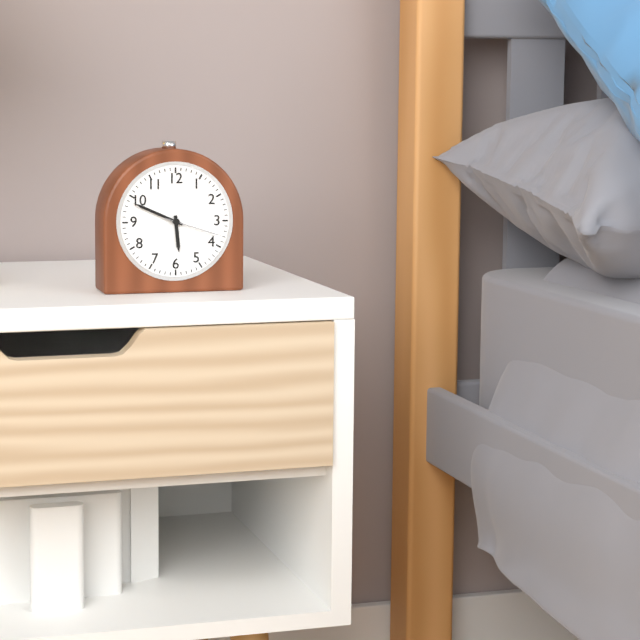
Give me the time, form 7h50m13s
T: 5h49m18s
